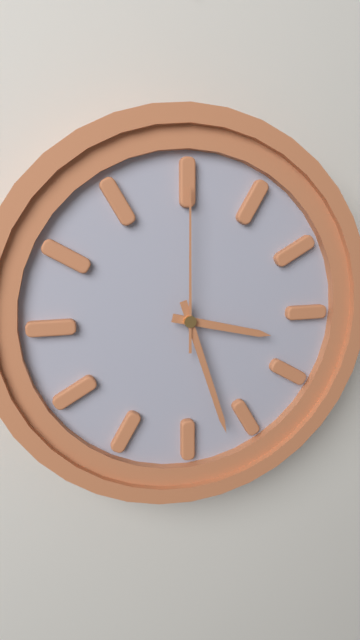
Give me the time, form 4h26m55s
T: 3h27m00s
